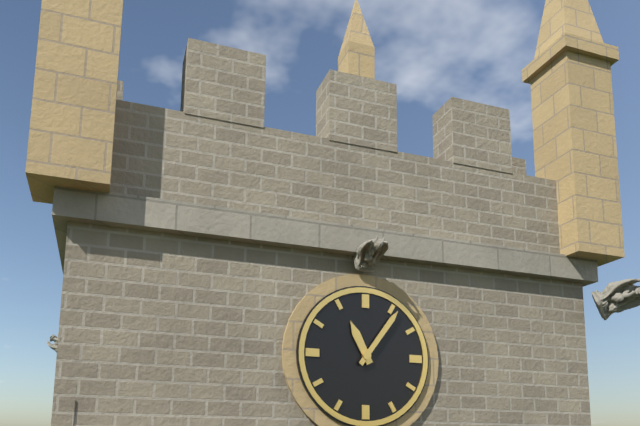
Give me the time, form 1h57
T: 11h06
